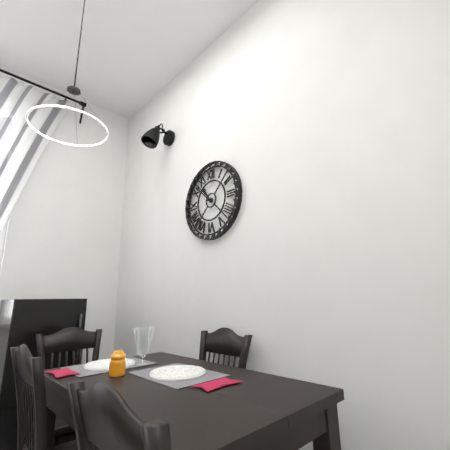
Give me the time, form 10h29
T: 10h52
